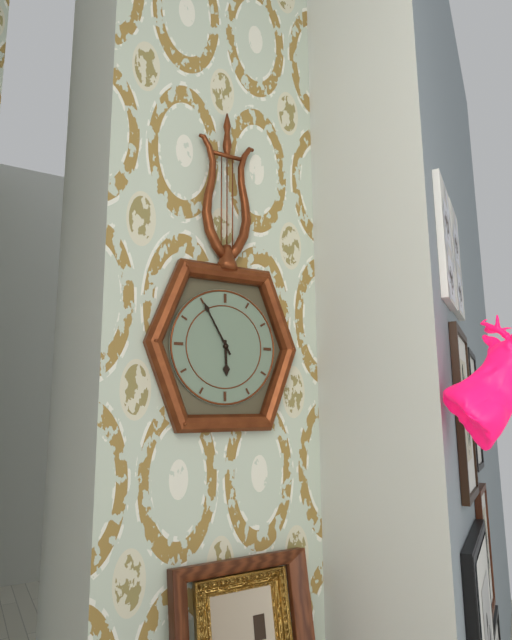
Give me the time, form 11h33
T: 5h55
